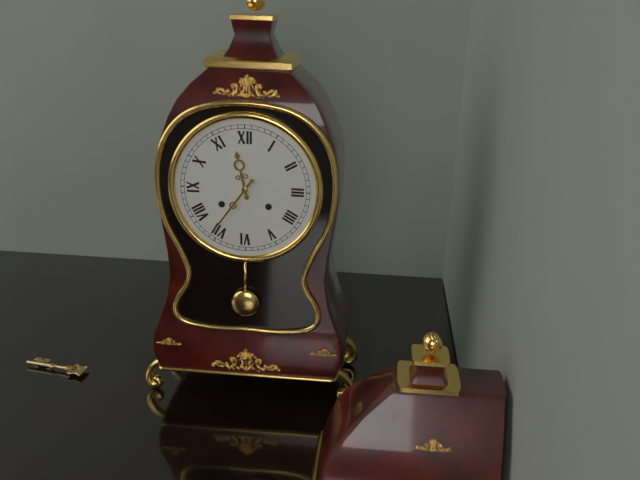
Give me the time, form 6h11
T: 11h36
